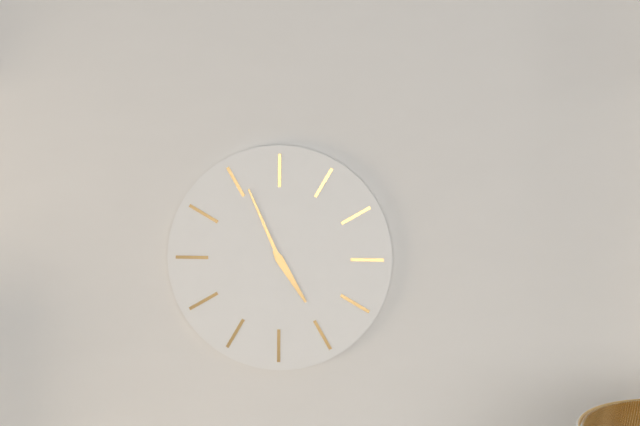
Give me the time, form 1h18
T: 4h56
